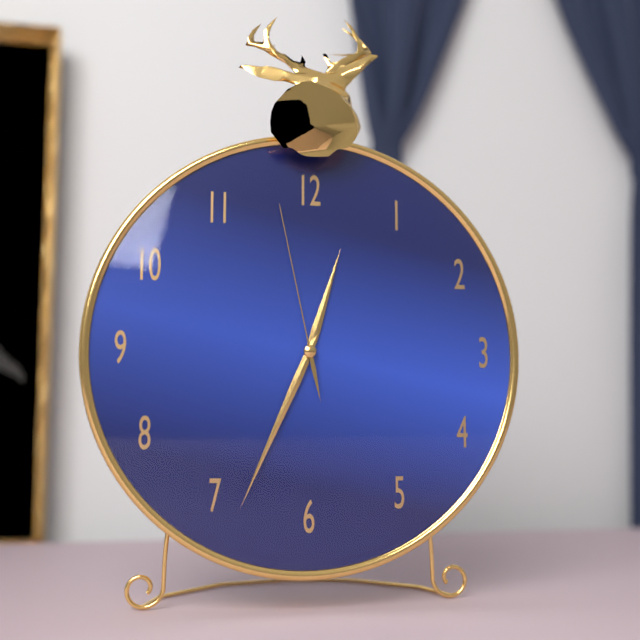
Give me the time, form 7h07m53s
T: 12h34m58s
